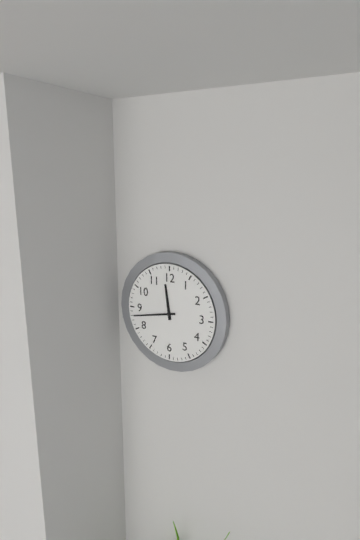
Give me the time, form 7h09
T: 11h43
